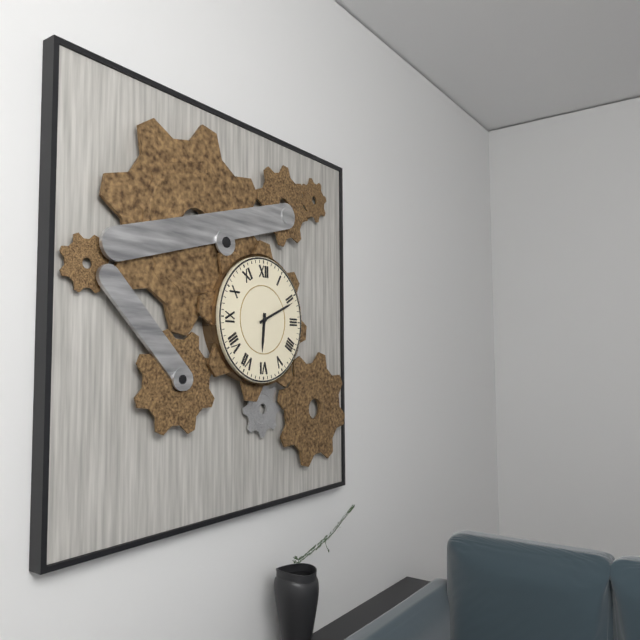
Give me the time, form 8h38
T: 6h11
